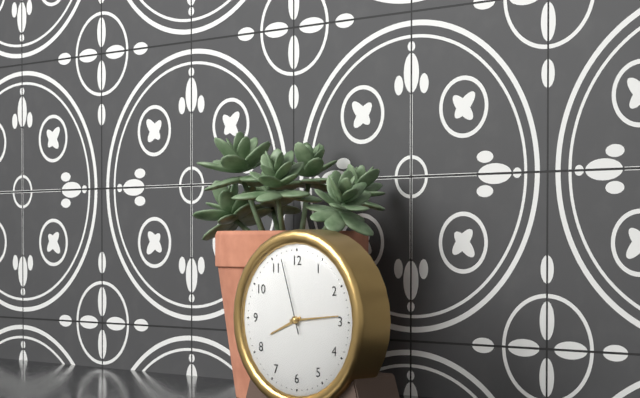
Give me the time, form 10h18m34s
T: 8h14m57s
